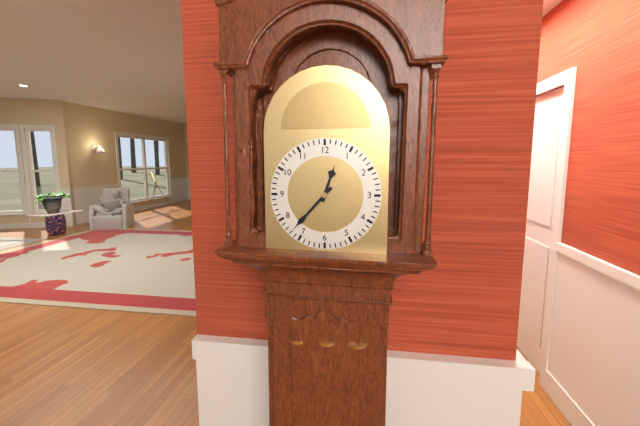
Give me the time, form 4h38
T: 12h37
